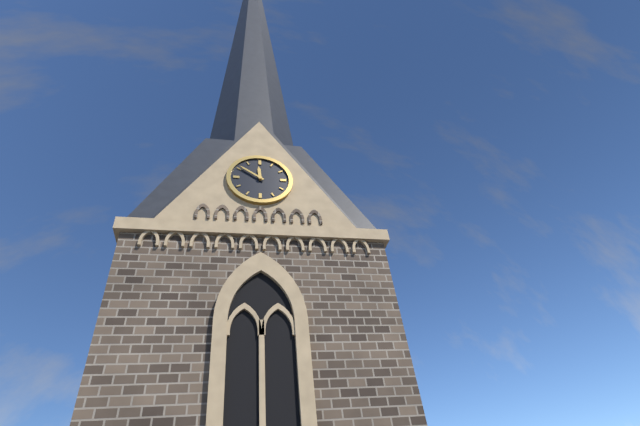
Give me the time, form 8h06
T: 11h51
